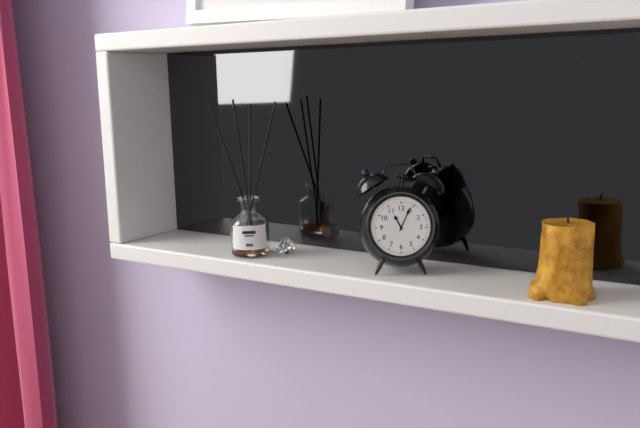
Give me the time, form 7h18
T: 11h04
